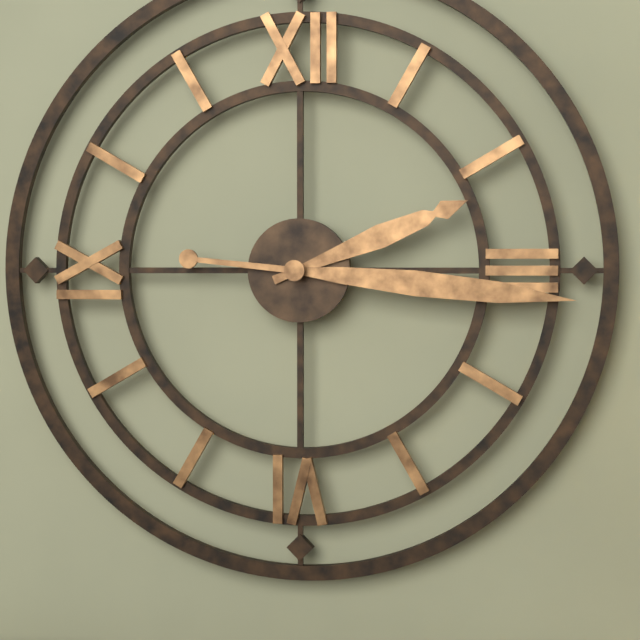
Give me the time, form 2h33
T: 2h16
